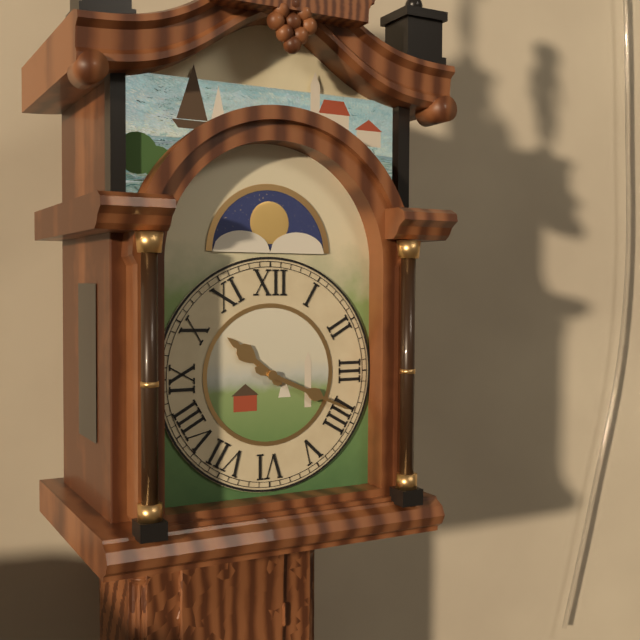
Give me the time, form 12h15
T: 10h19
